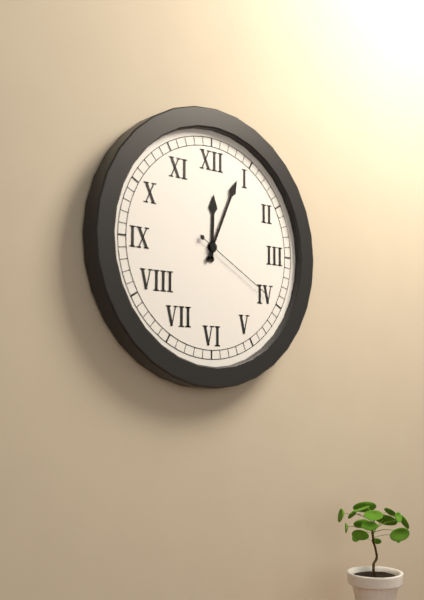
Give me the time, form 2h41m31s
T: 12h04m20s
